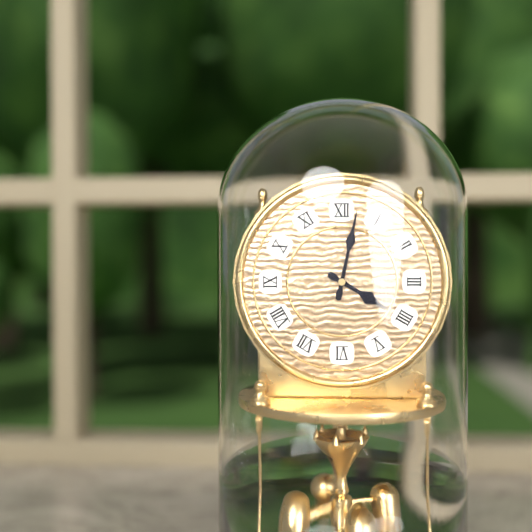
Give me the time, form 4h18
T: 4h02
